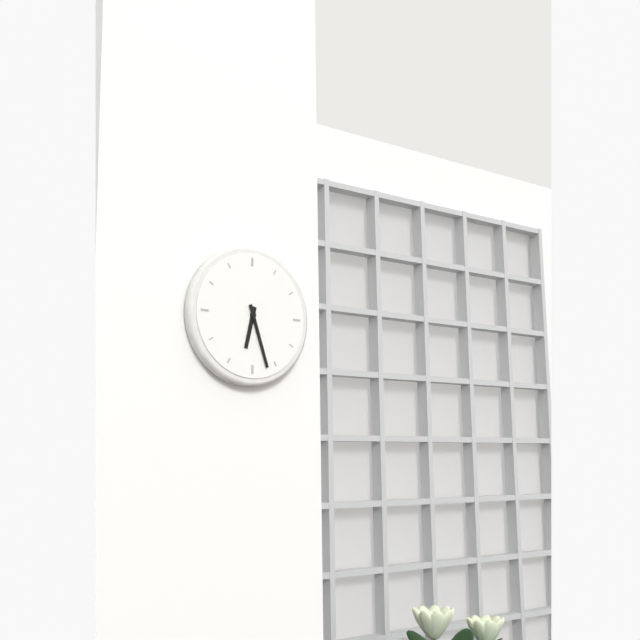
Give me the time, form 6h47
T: 6h27
